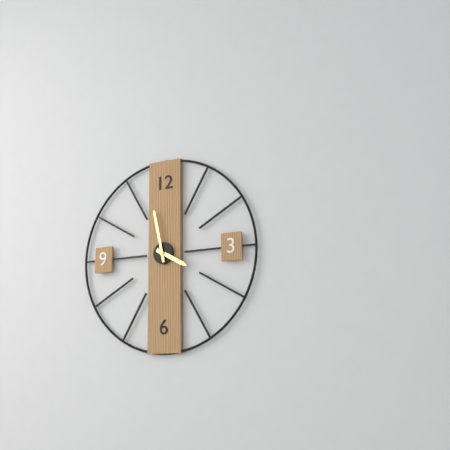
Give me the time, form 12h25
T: 3h58
